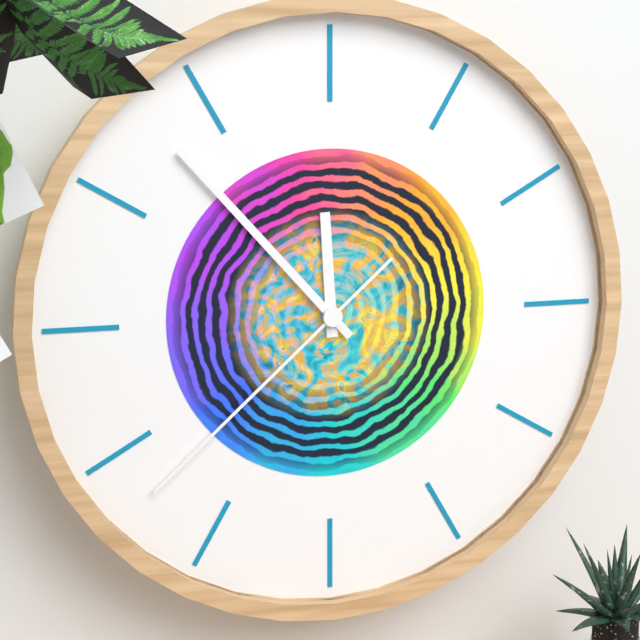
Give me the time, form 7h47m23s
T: 11h53m38s
